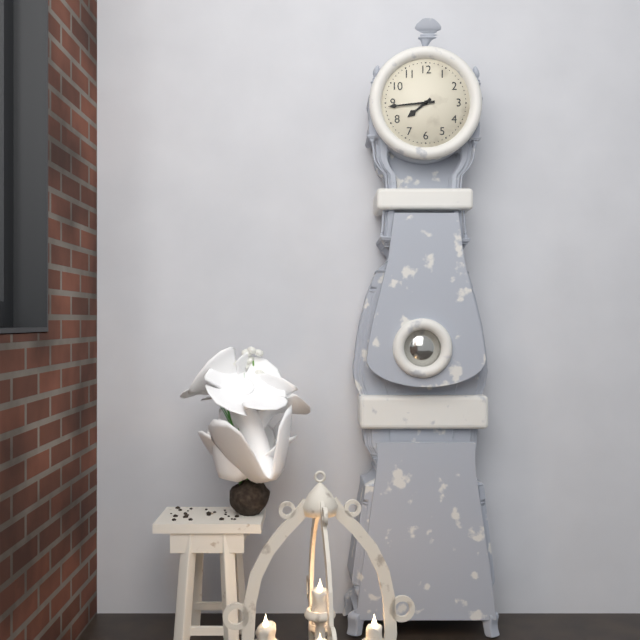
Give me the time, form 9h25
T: 7h44
